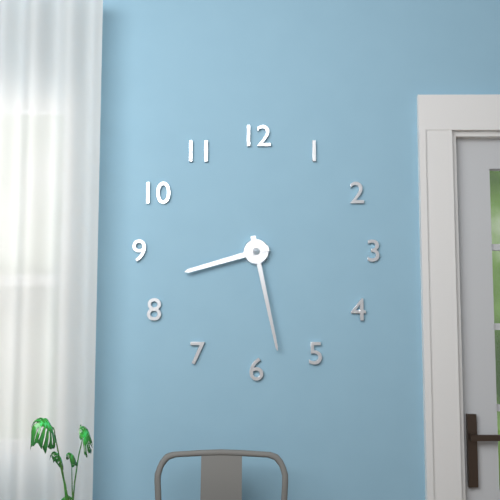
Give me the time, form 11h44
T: 8h28
